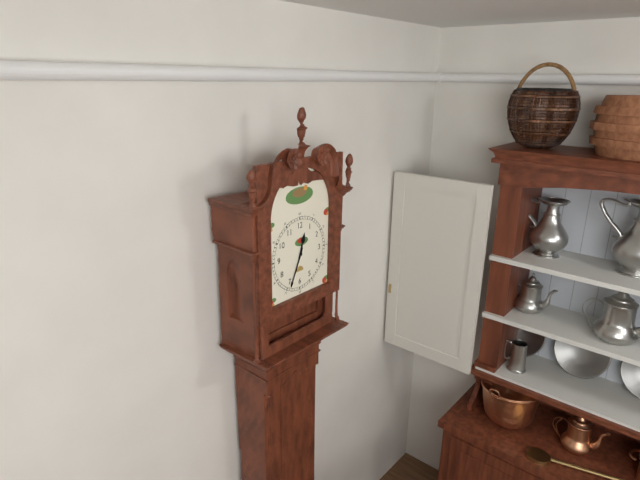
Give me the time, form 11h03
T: 12h34
